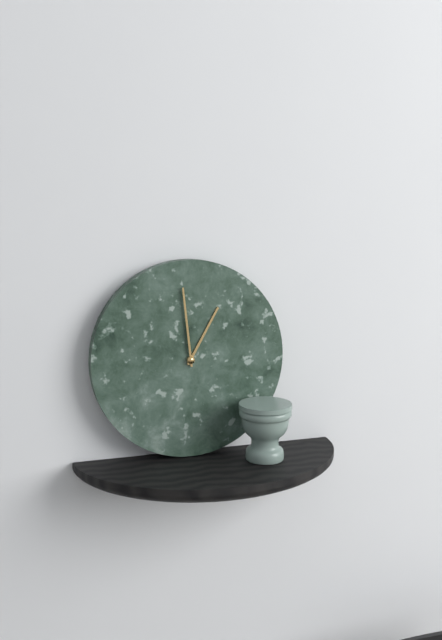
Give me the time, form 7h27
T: 12h59
